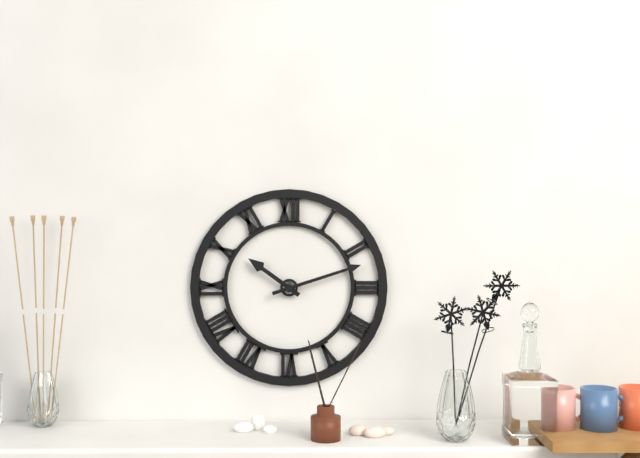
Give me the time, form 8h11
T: 10h12
